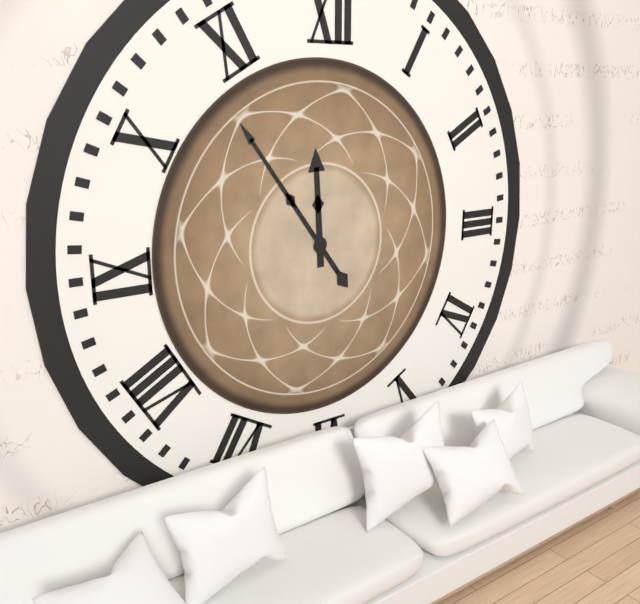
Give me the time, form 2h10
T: 11h54
